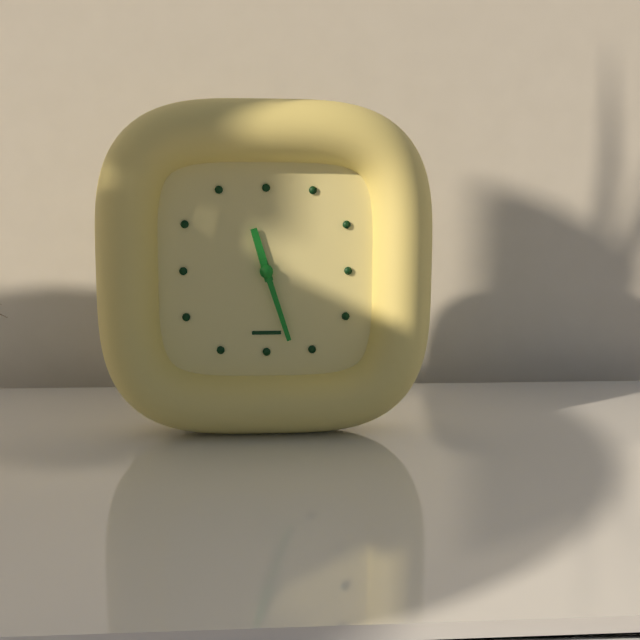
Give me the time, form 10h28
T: 11h27
